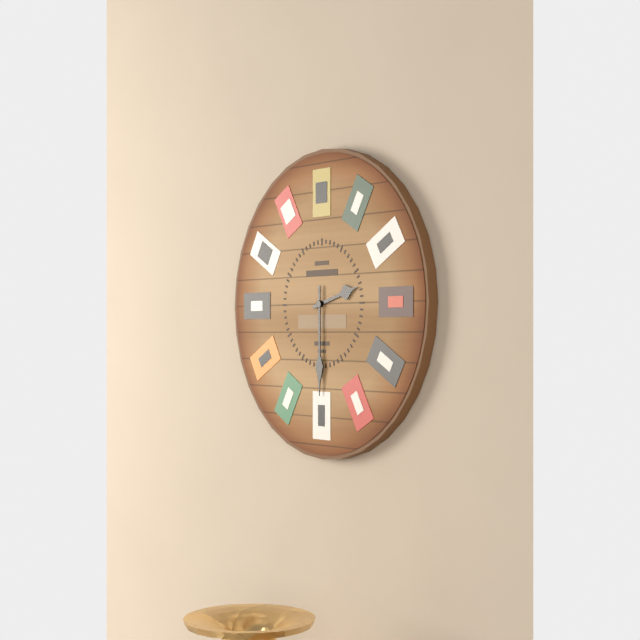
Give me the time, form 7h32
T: 2h30
